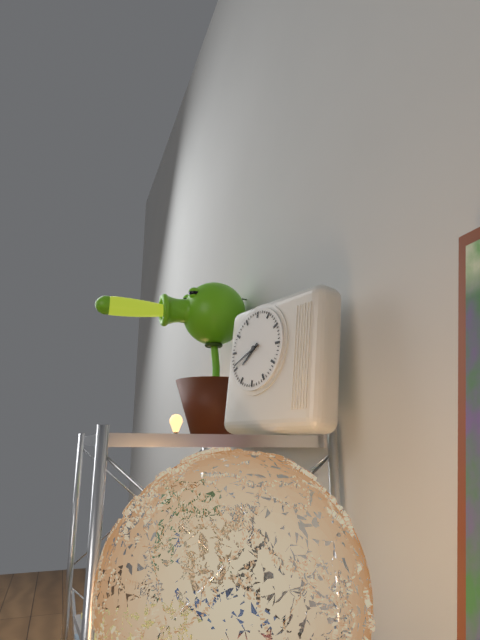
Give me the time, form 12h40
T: 7h41
